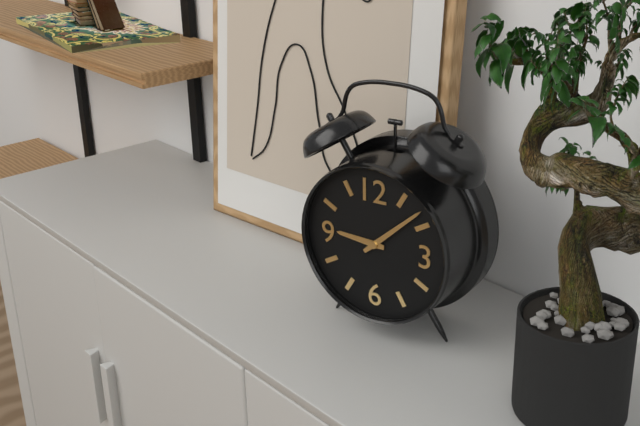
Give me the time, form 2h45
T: 9h08
